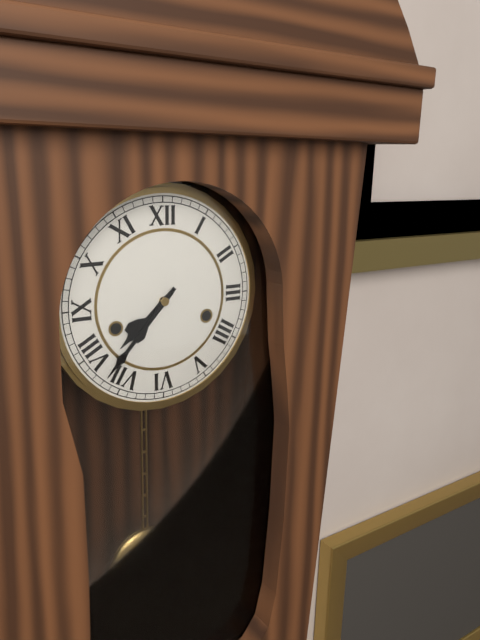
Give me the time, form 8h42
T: 7h37
